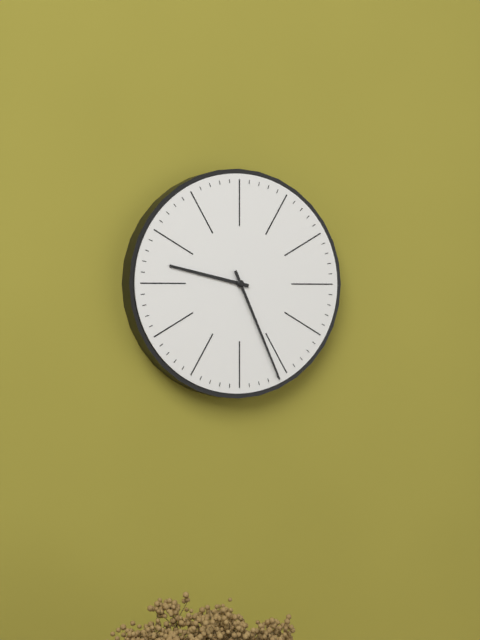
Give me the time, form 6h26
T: 9h26
